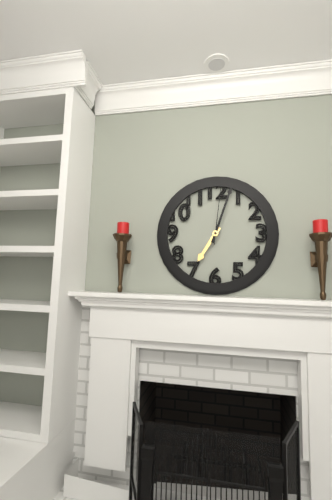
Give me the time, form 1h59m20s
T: 7h03m01s
